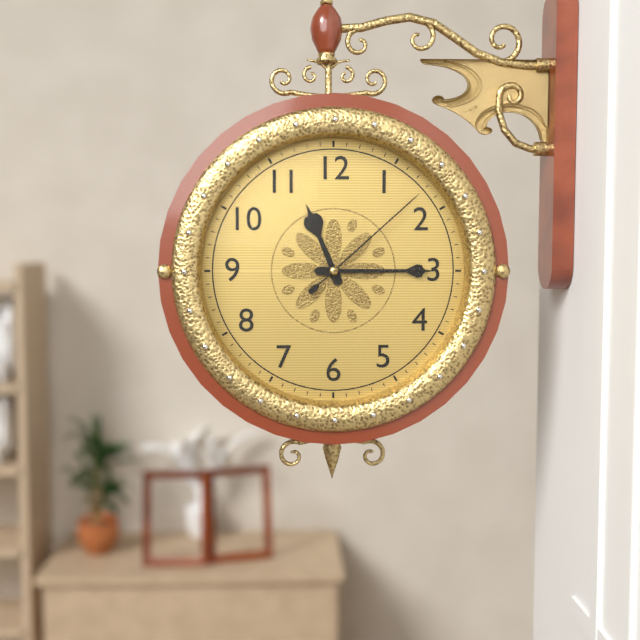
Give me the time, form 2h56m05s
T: 11h15m08s
